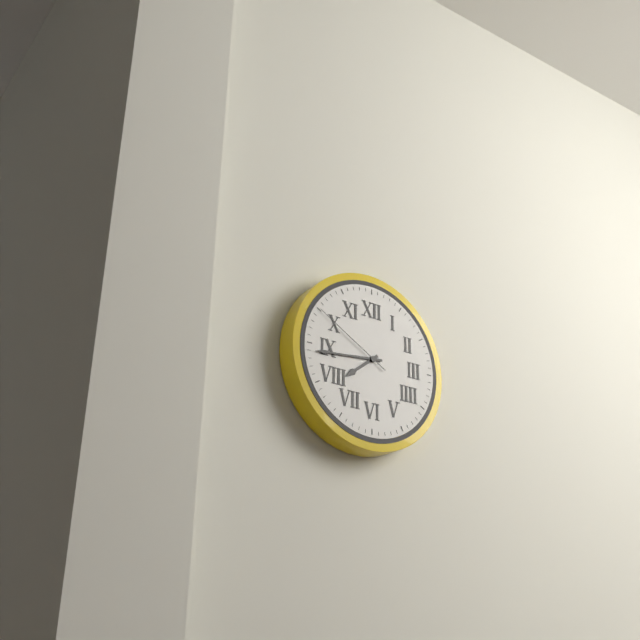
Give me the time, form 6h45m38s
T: 7h44m50s
